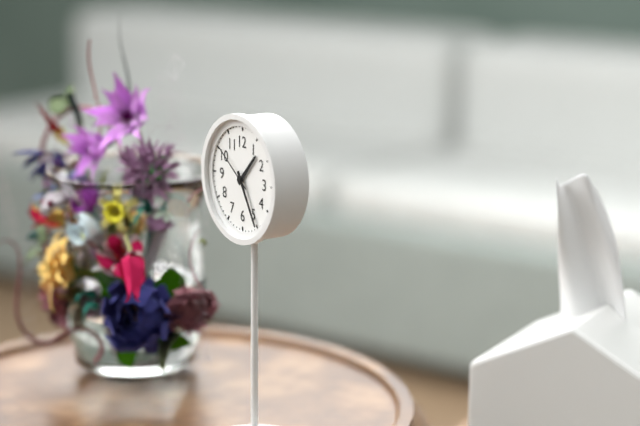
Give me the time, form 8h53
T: 1h25
